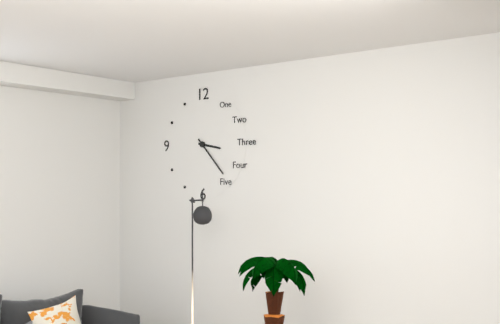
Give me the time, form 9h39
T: 3h23
